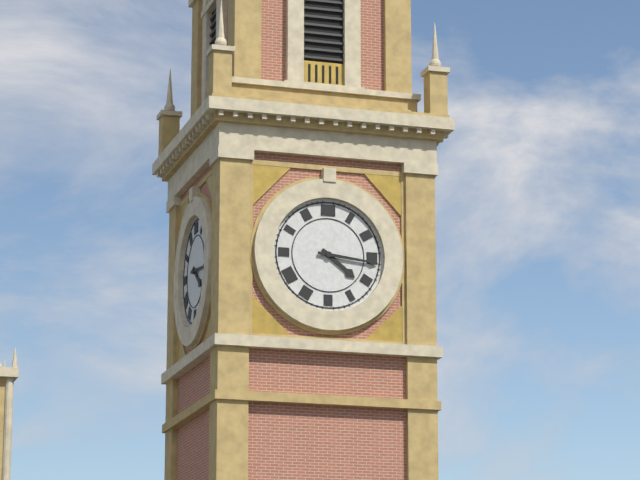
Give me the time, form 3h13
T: 4h16
